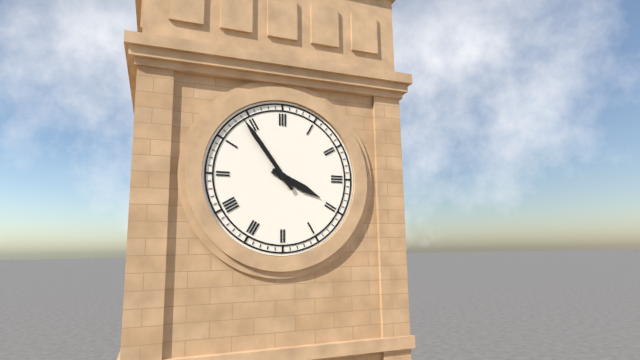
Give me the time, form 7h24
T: 3h54
